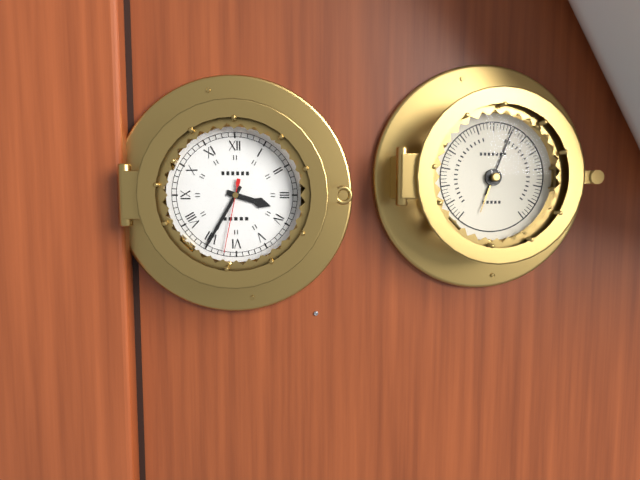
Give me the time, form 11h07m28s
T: 3h35m32s
